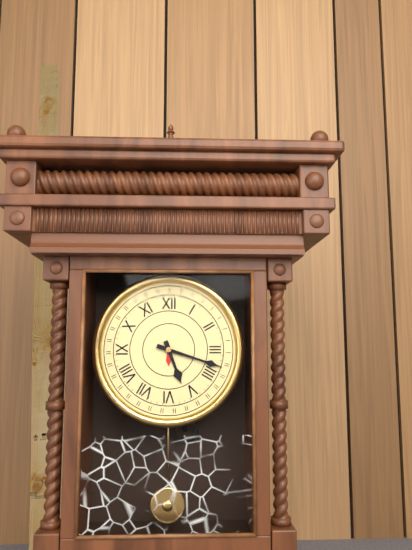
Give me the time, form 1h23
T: 5h18
